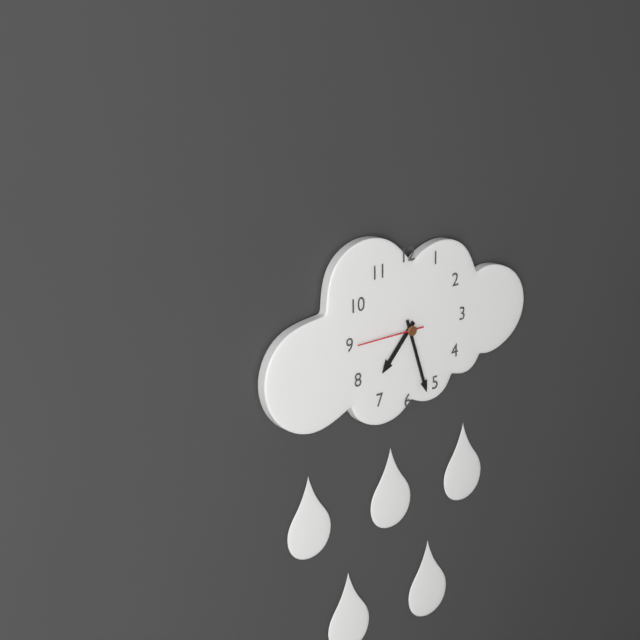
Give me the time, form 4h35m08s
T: 7h27m45s
